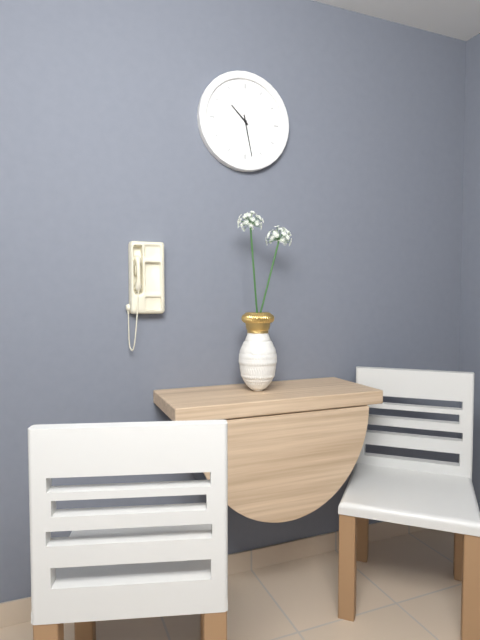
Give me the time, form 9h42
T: 10h28
